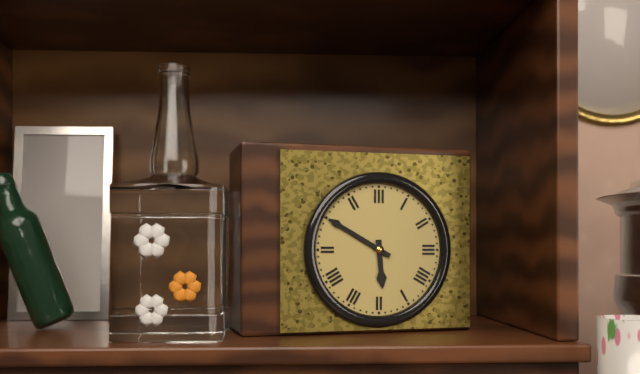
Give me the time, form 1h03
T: 5h50
